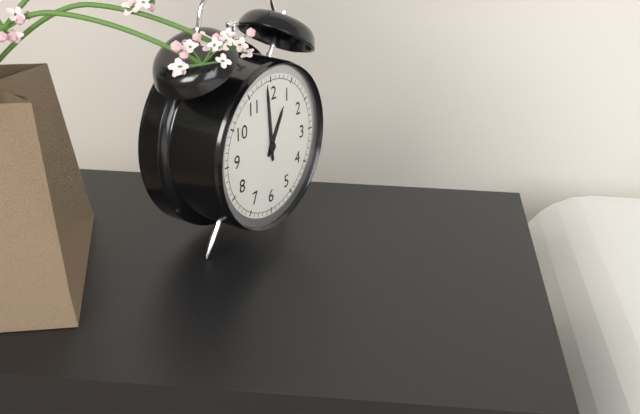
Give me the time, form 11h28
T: 12h59
